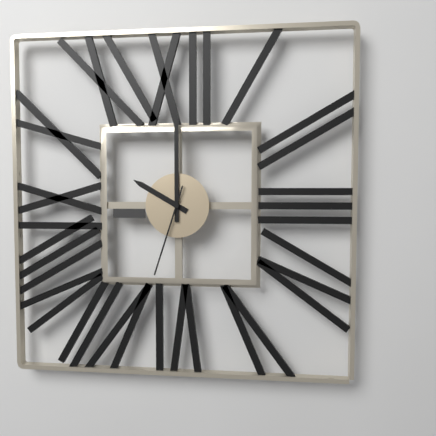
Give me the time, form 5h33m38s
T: 10h00m33s
